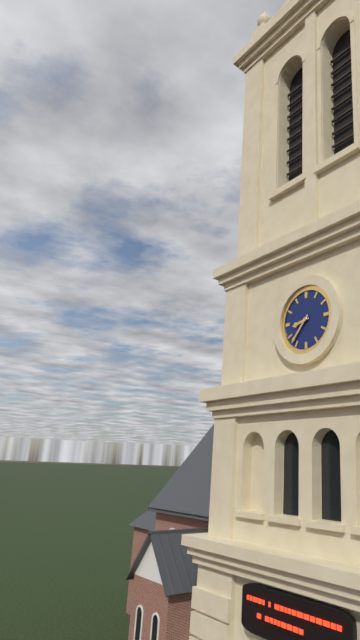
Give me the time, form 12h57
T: 8h37
